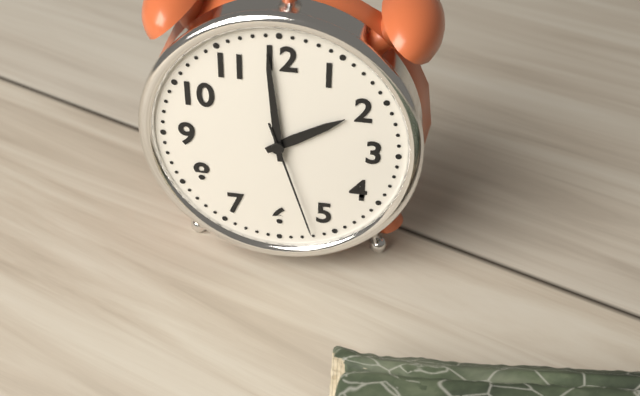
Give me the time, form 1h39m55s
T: 1h59m27s
